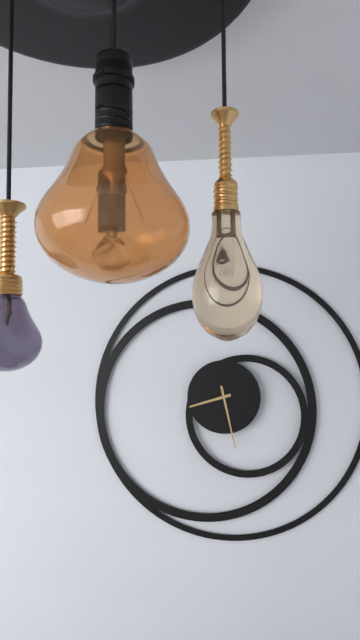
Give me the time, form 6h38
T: 8h28
